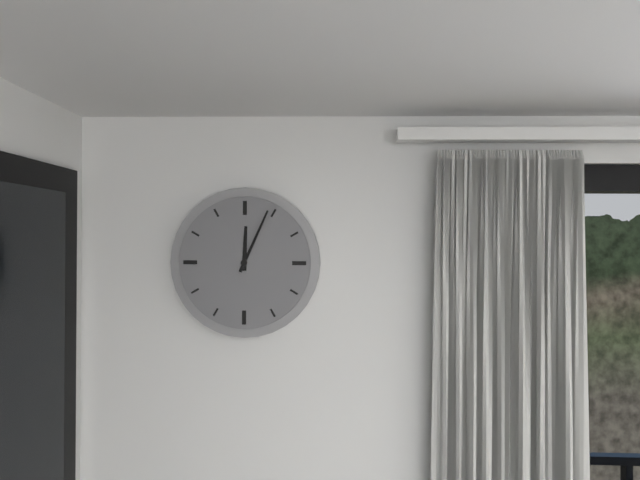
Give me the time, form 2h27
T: 12h04
